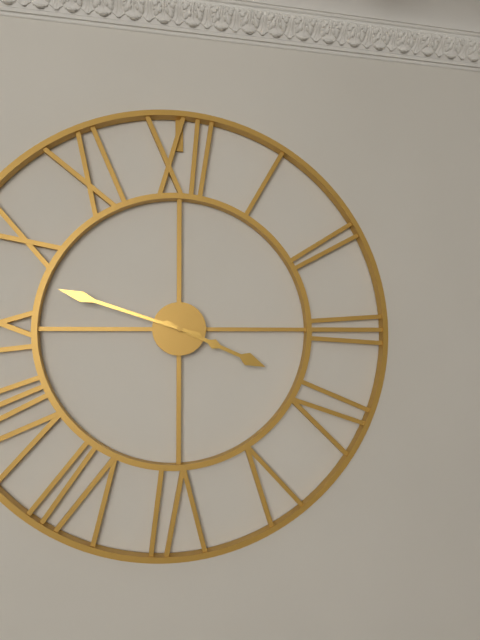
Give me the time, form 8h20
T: 3h48
